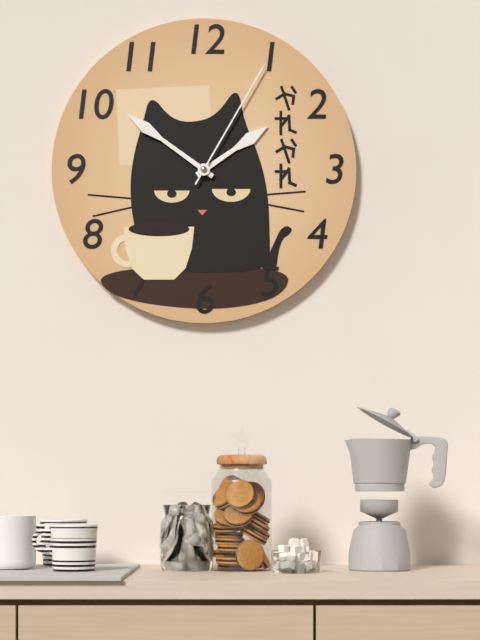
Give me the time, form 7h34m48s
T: 1h51m05s
